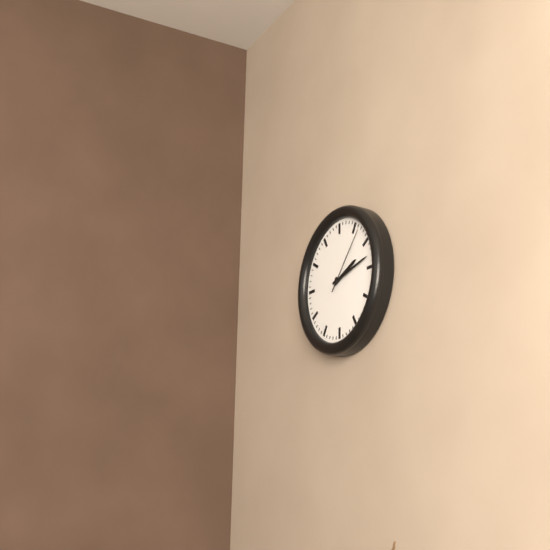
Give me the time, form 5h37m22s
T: 2h13m07s
